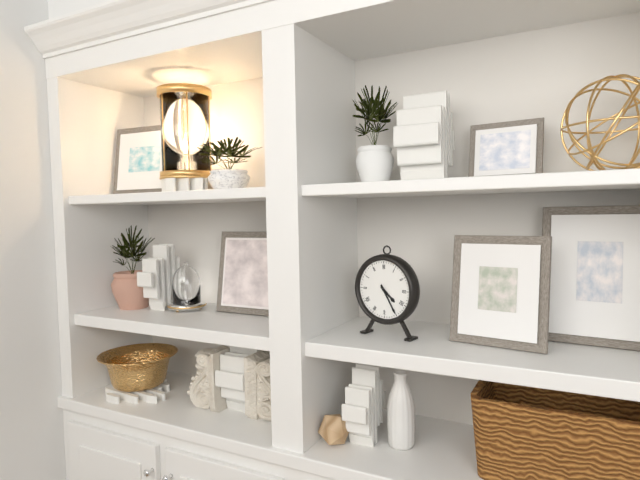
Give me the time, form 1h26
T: 4h25
